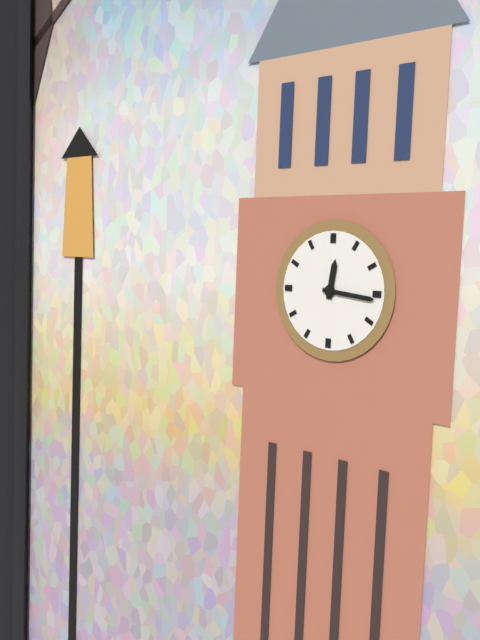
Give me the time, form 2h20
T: 12h16
